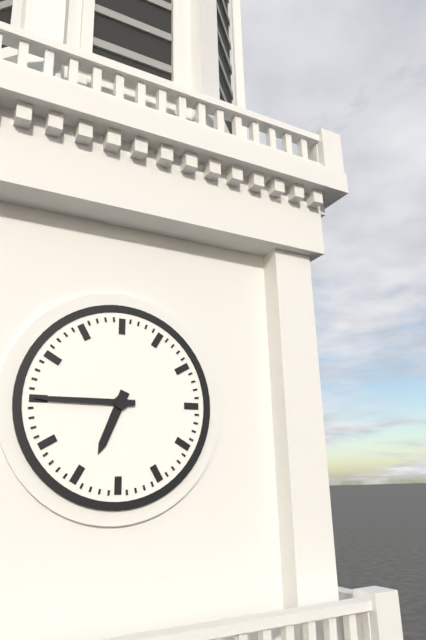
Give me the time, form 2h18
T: 6h45
